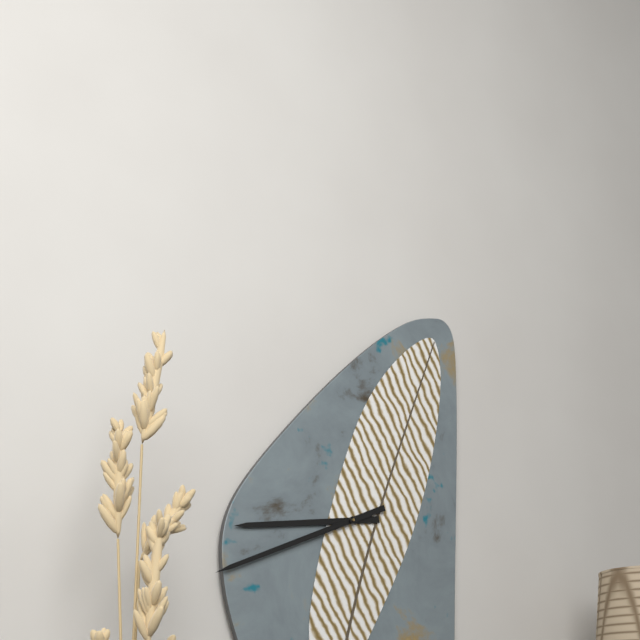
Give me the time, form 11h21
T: 8h41
